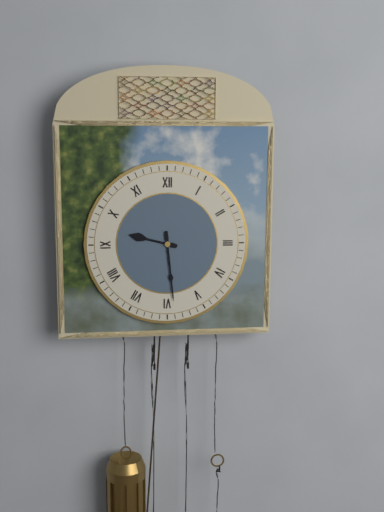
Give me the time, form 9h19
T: 9h29
